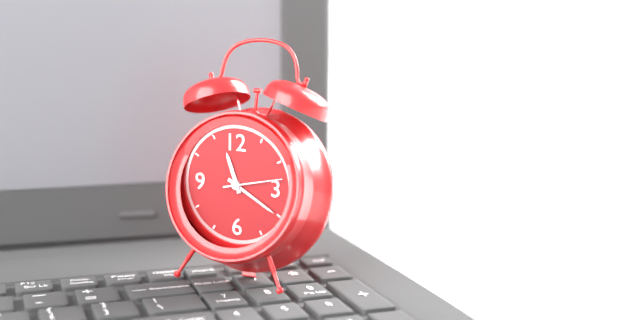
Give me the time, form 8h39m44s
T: 11h20m13s
